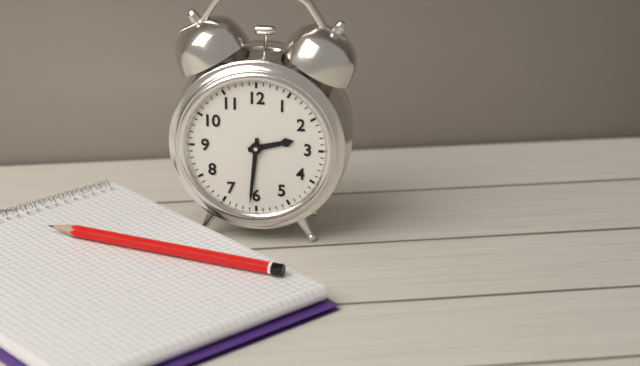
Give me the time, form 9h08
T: 2h31
